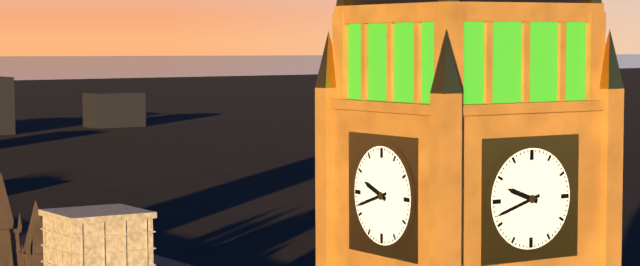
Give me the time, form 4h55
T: 9h42
